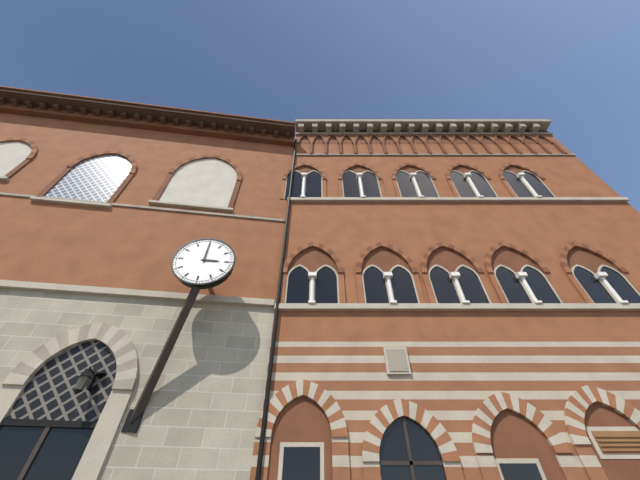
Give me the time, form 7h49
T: 3h00
